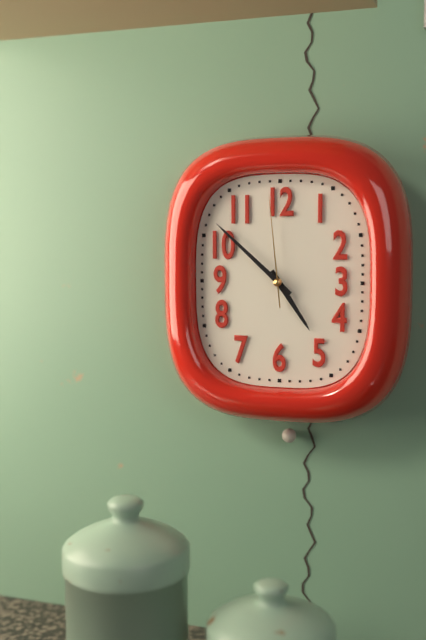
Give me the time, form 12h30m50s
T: 4h52m59s
